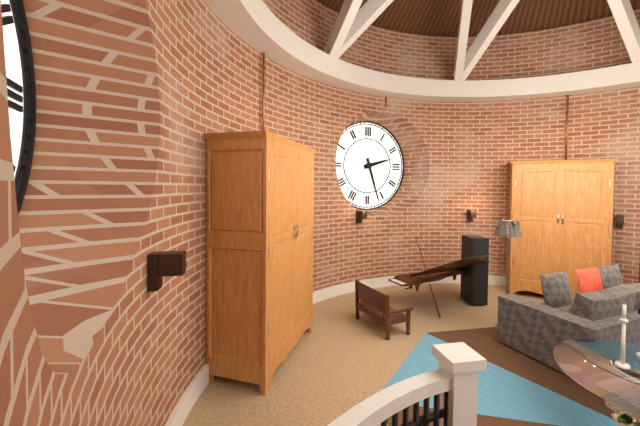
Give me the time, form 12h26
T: 2h27
